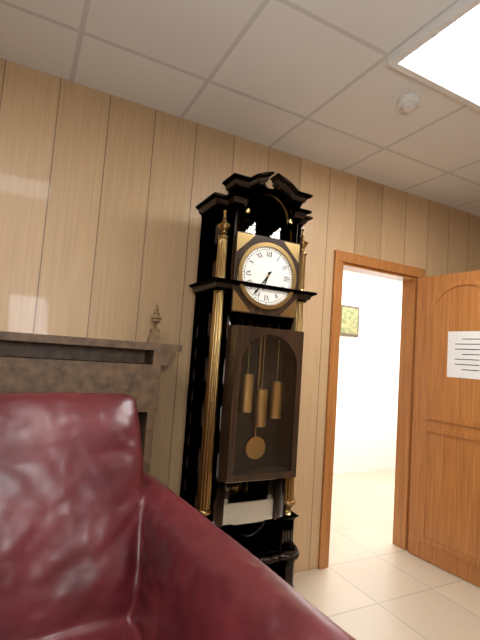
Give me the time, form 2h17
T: 6h36
